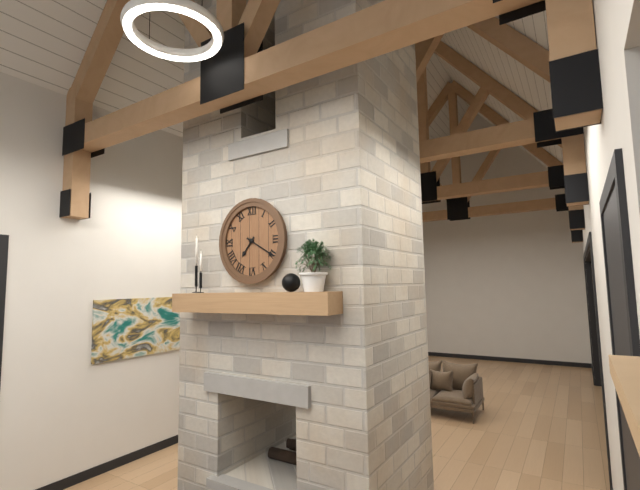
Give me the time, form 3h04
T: 7h20
